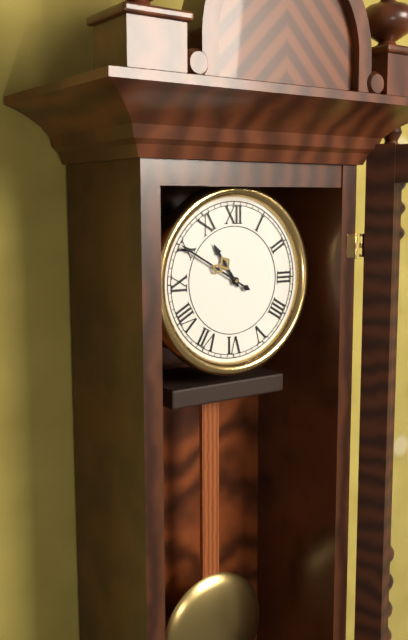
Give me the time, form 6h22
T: 10h50
